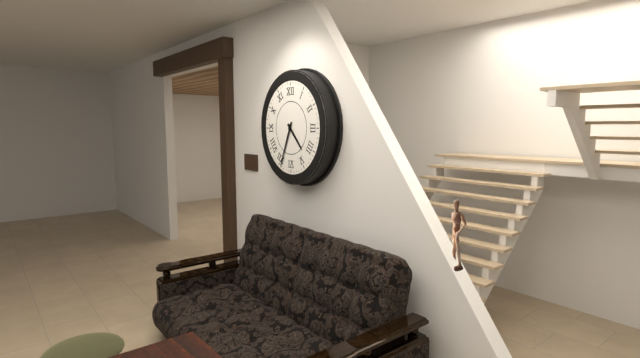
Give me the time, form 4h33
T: 4h34
